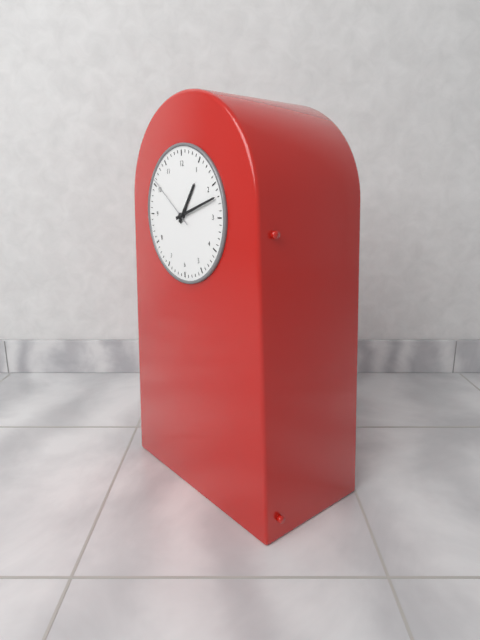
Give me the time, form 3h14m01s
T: 1h12m51s
